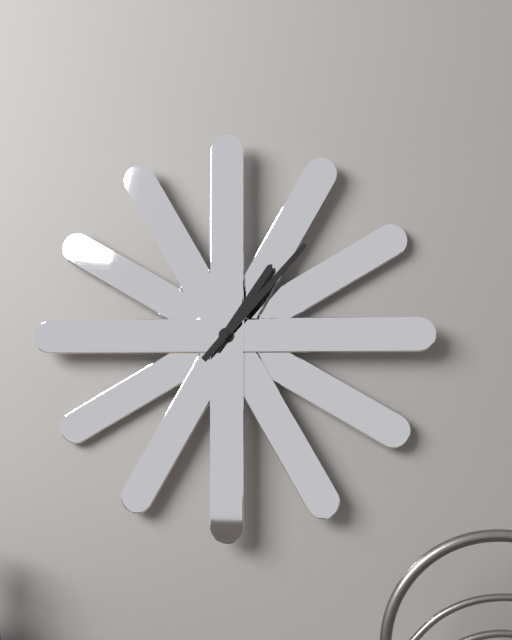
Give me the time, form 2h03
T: 1h07
